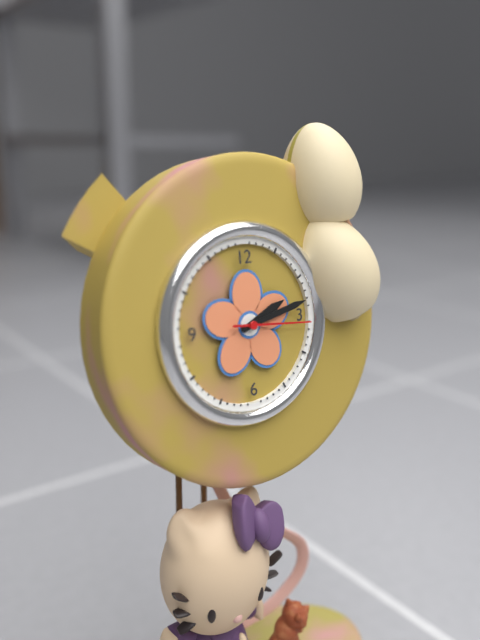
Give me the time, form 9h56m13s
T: 2h13m16s
